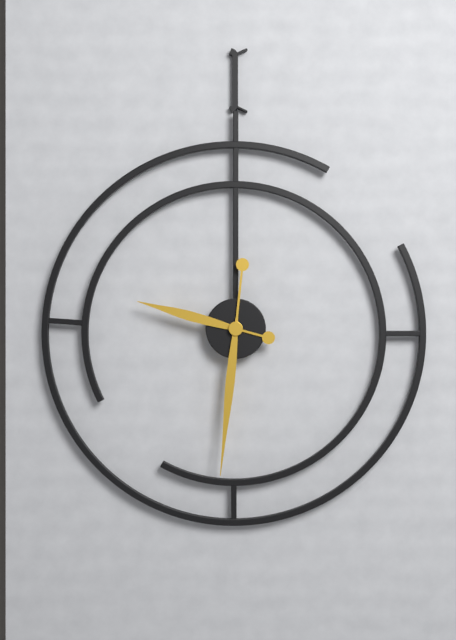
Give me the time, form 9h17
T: 9h31
